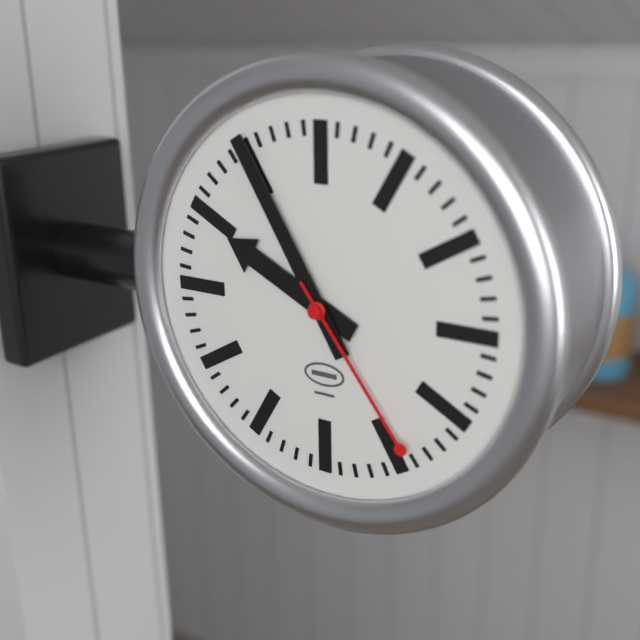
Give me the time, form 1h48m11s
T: 9h55m24s
